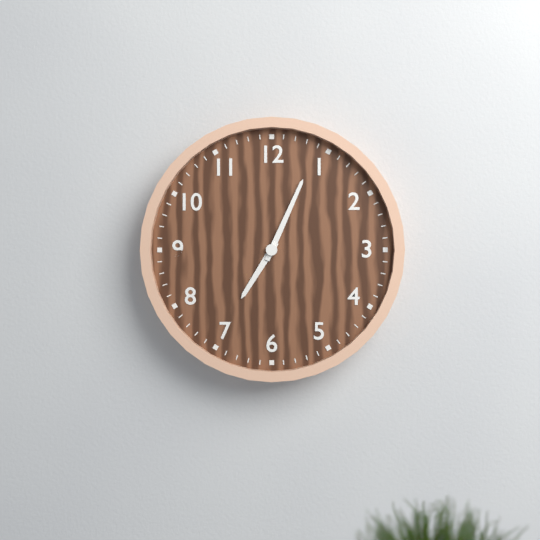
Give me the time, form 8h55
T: 7h04
